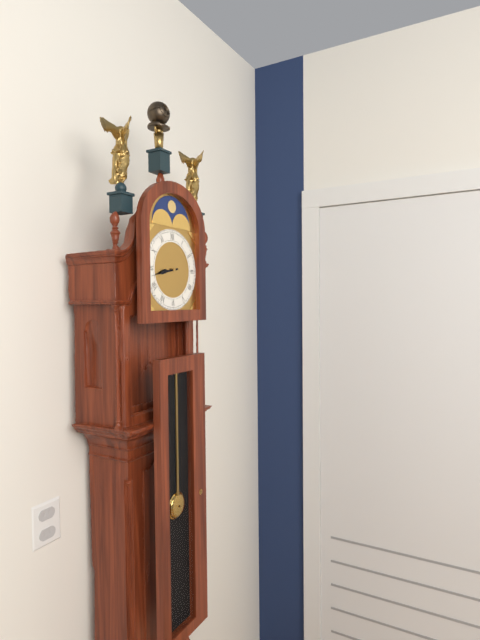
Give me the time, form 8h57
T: 8h43
